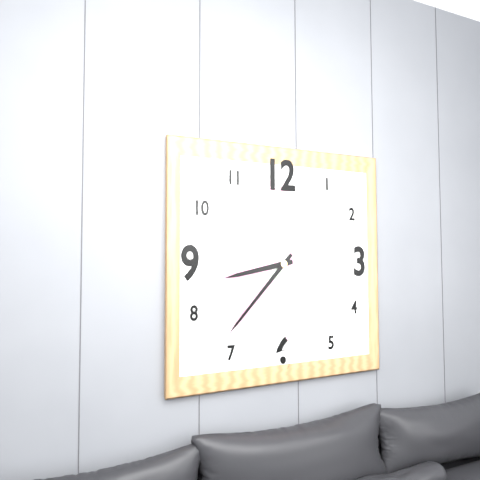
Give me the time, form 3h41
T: 8h37
